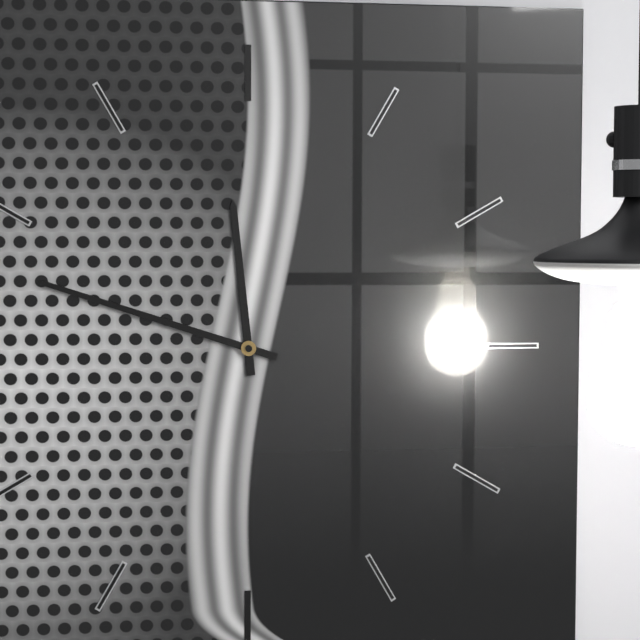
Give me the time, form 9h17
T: 11h48
